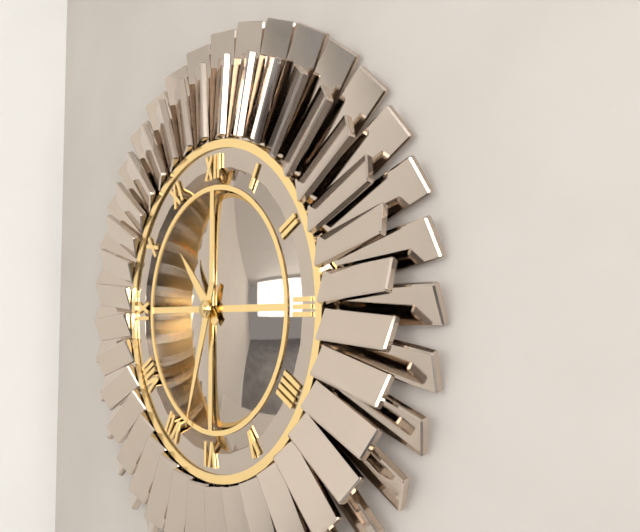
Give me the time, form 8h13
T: 10h33
